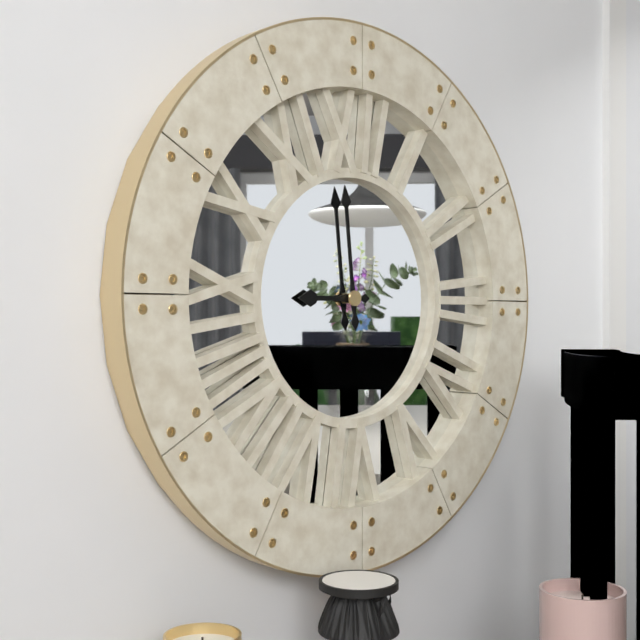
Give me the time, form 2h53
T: 8h59
